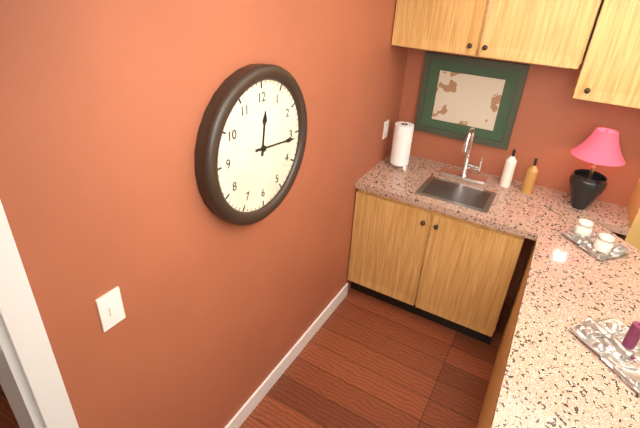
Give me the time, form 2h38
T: 12h16
